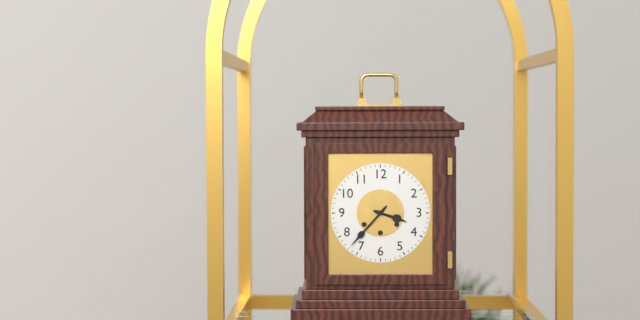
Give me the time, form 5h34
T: 3h37
